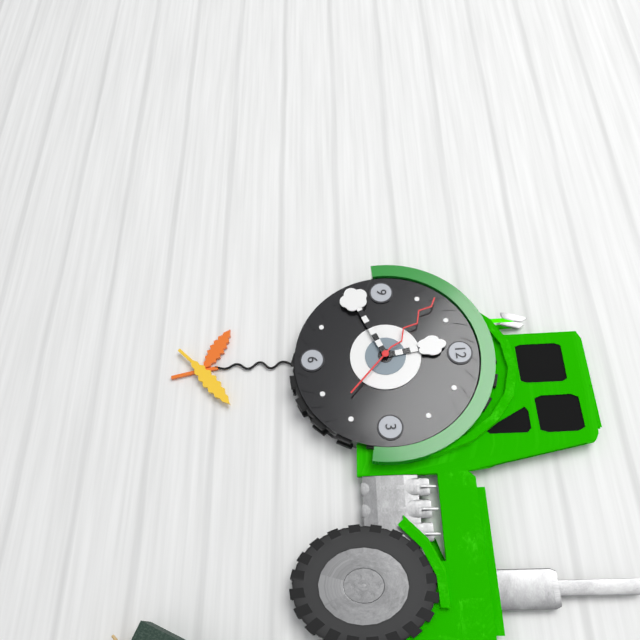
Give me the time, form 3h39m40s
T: 11h41m52s
